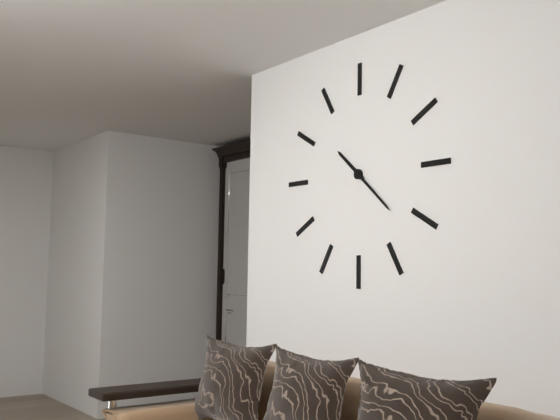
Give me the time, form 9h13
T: 10h22
